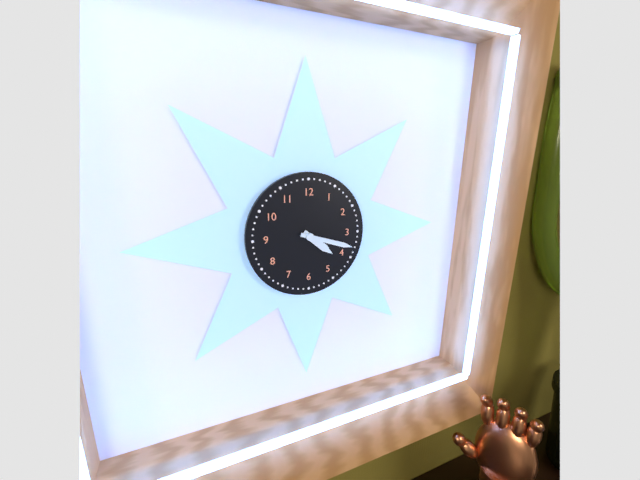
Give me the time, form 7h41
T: 4h18
